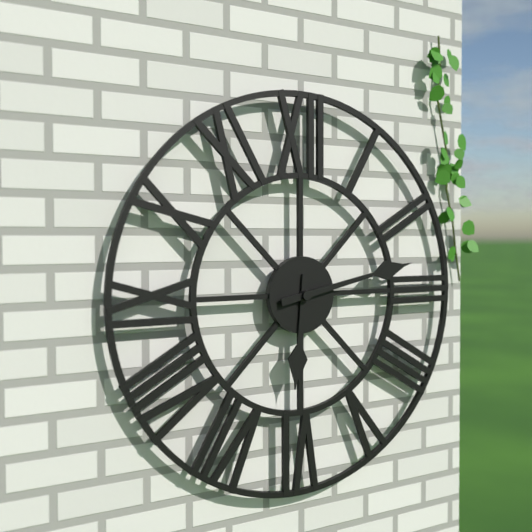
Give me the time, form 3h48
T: 6h13
